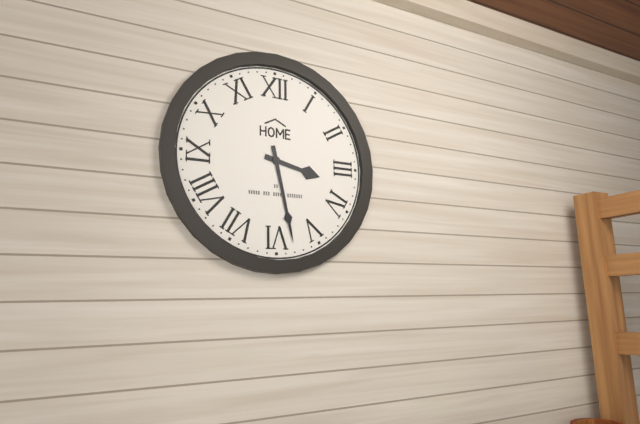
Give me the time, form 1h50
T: 3h28
